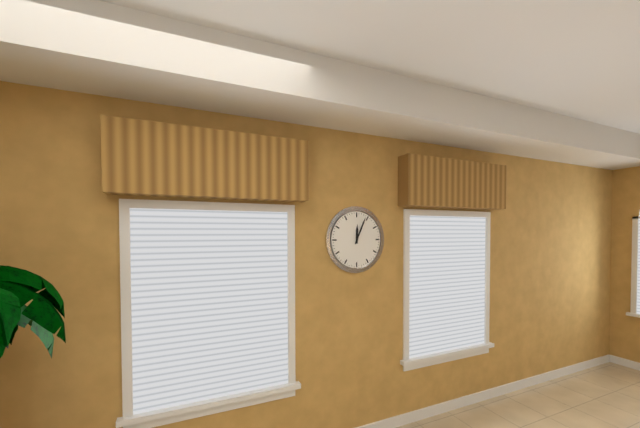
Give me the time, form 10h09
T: 12h04
